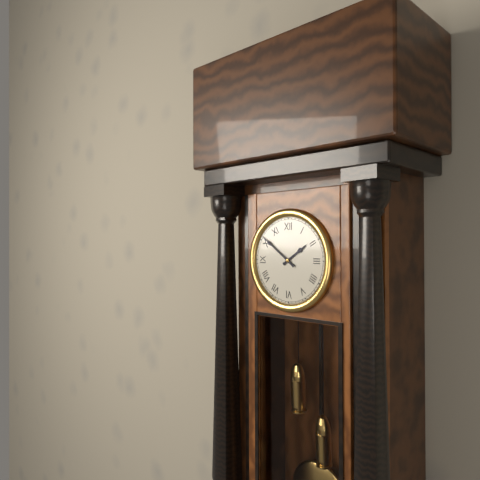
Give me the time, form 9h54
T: 1h51
